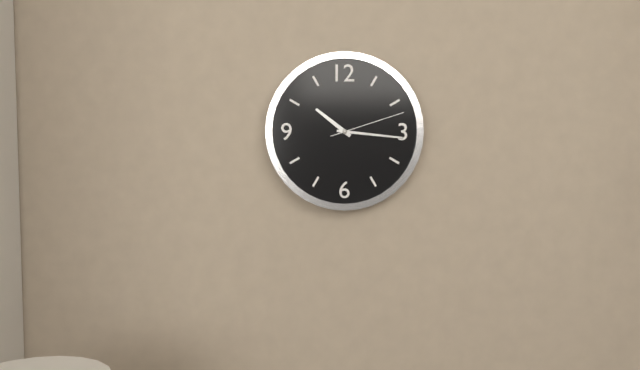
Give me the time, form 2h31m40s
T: 10h16m12s
